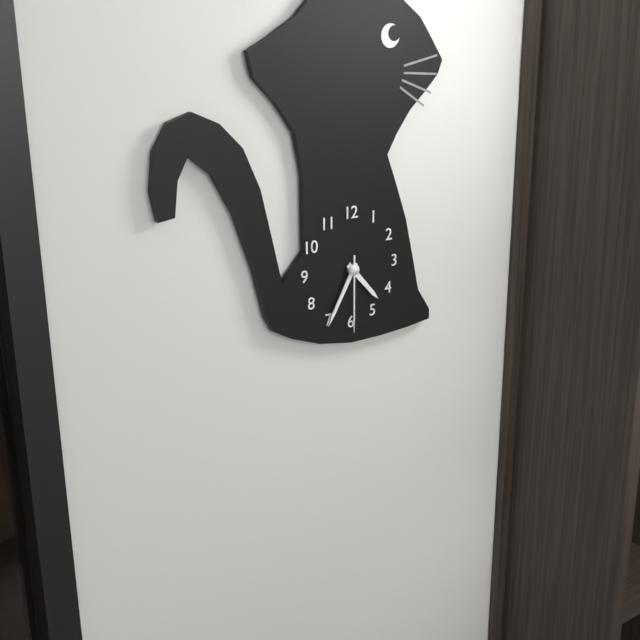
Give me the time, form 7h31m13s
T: 4h35m30s
